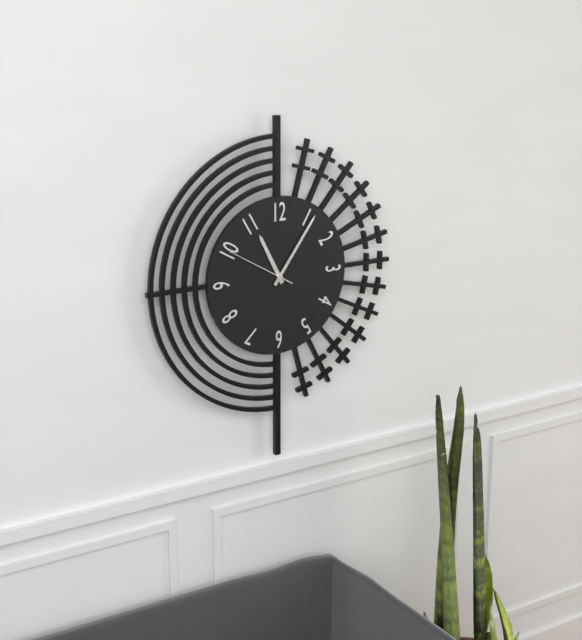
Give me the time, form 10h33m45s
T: 11h06m50s
